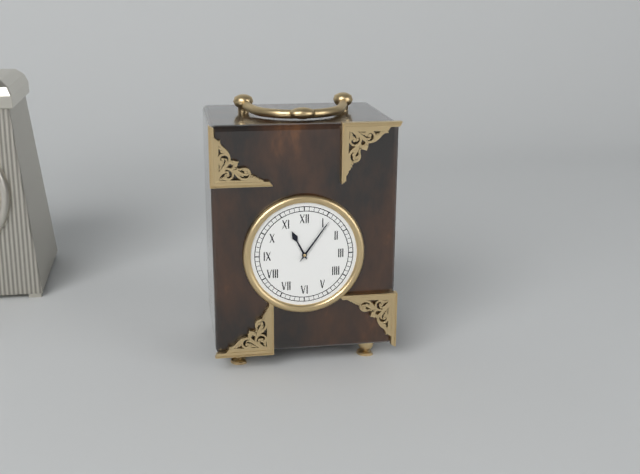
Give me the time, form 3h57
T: 11h06
